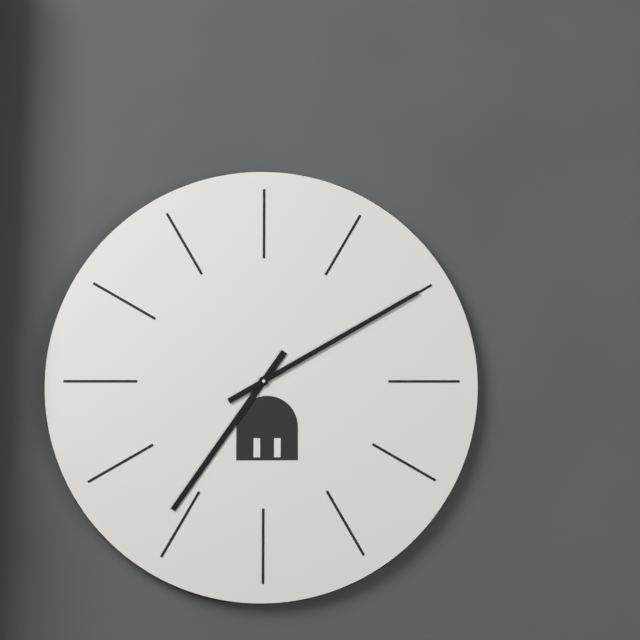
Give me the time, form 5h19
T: 7h10
